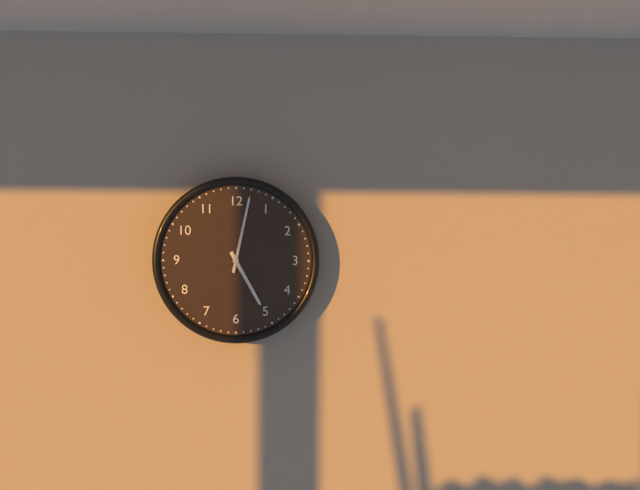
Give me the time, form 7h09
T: 5h02
